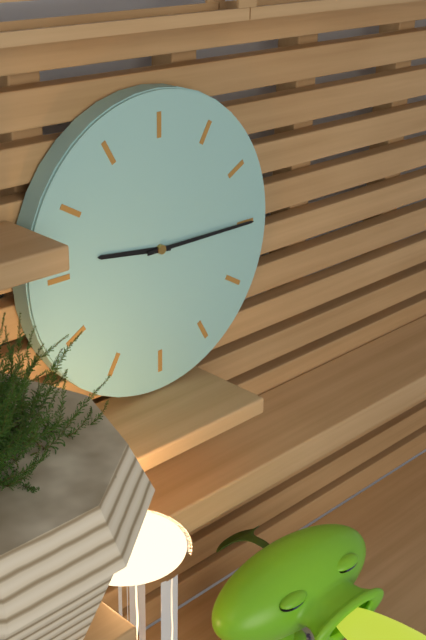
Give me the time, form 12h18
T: 9h15
